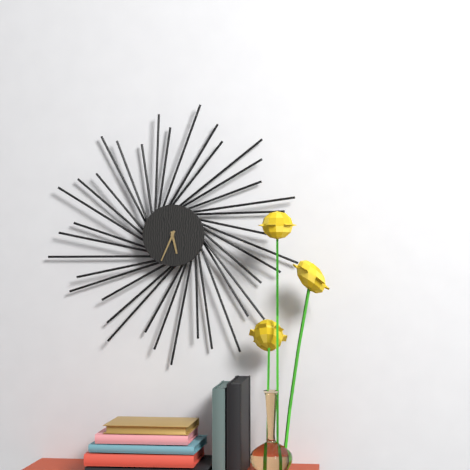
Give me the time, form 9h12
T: 5h34
